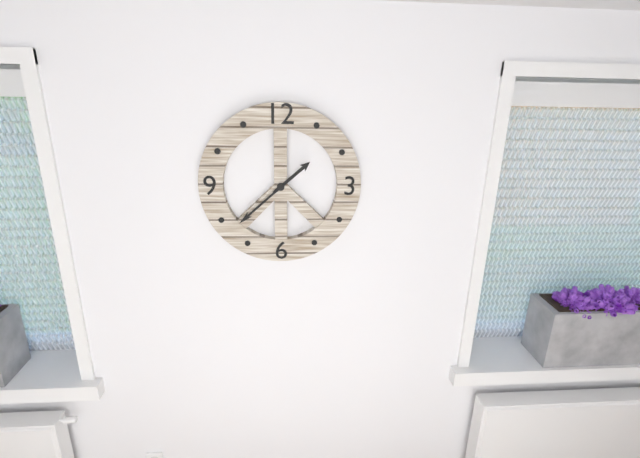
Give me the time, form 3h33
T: 1h38
